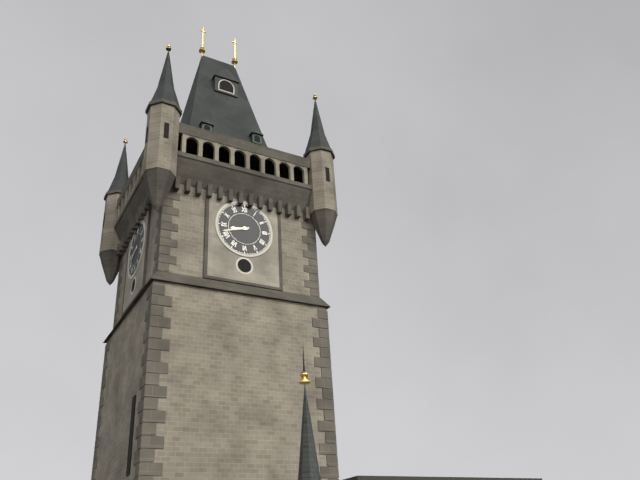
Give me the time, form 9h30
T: 8h42
